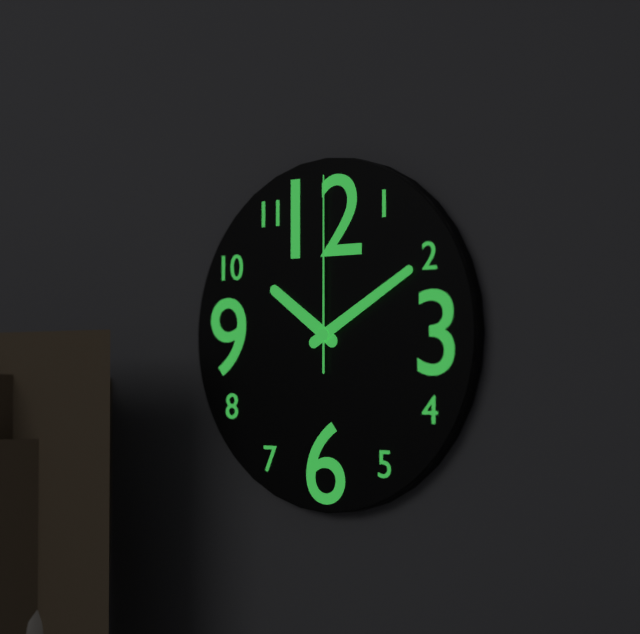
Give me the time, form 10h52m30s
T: 10h10m00s
